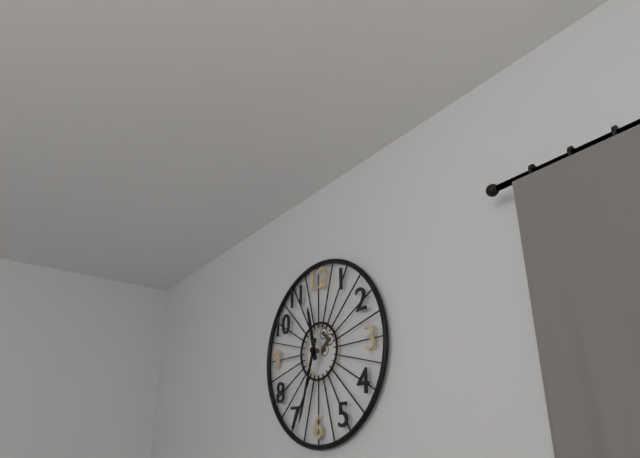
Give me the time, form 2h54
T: 11h33
